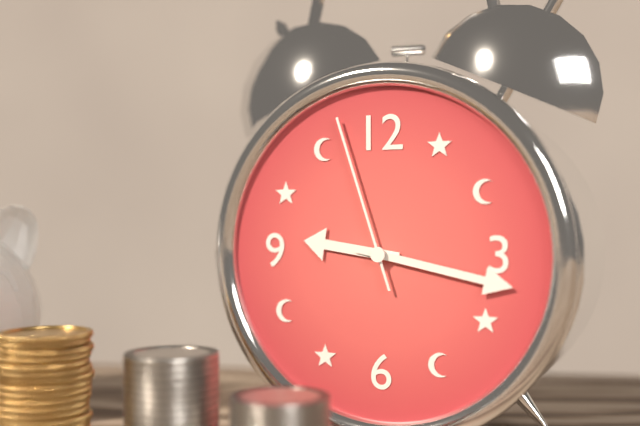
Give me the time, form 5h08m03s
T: 9h17m57s
